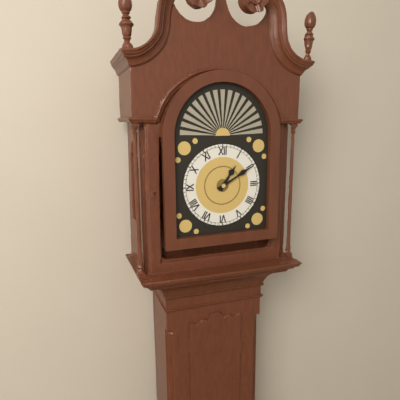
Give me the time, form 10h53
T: 1h10
